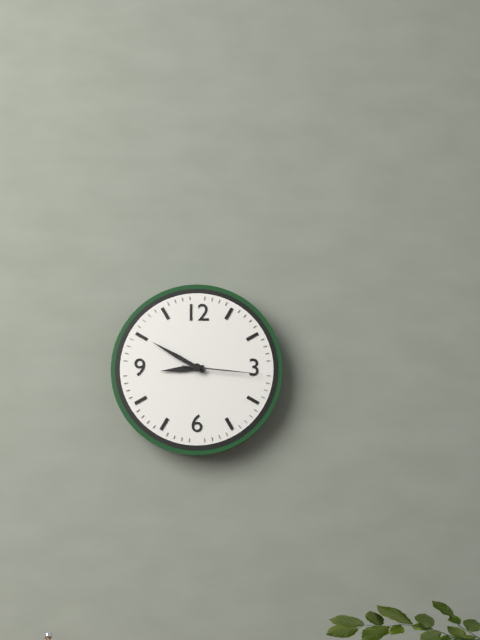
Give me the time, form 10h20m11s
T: 8h50m16s
